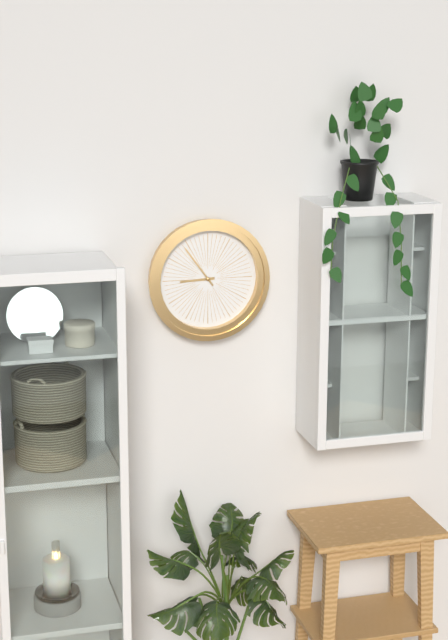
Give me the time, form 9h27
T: 8h54
